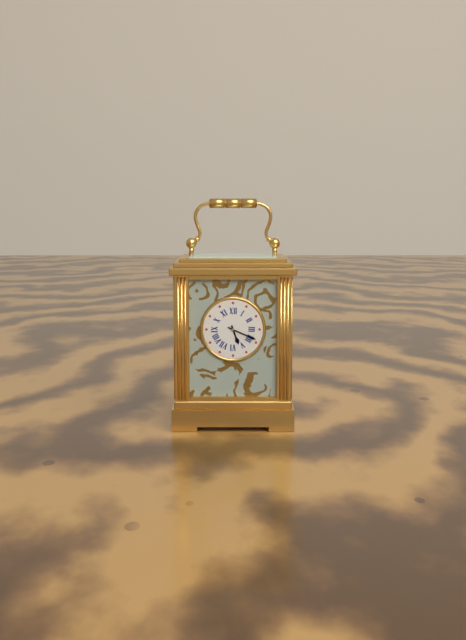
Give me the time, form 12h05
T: 5h19
